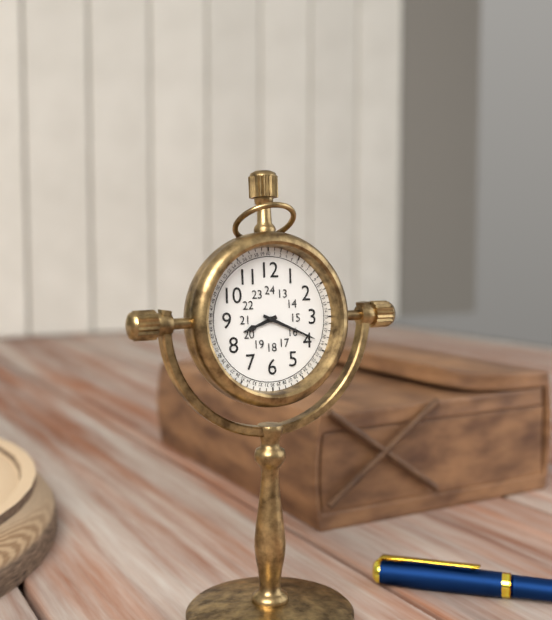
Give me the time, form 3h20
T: 8h19
